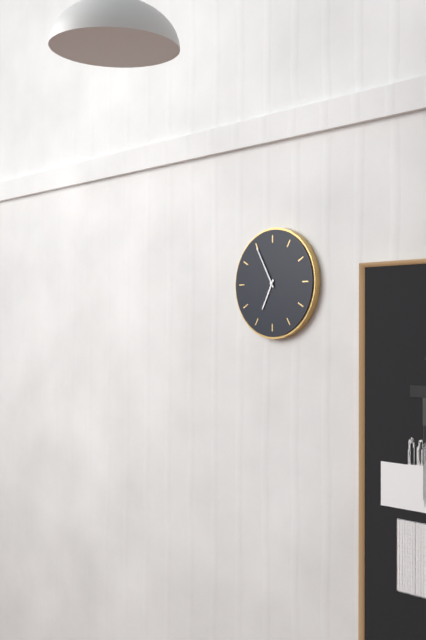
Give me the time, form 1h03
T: 6h55
